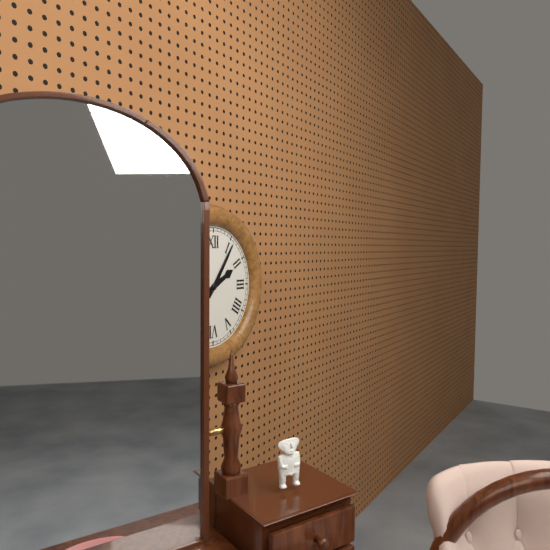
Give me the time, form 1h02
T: 2h06
